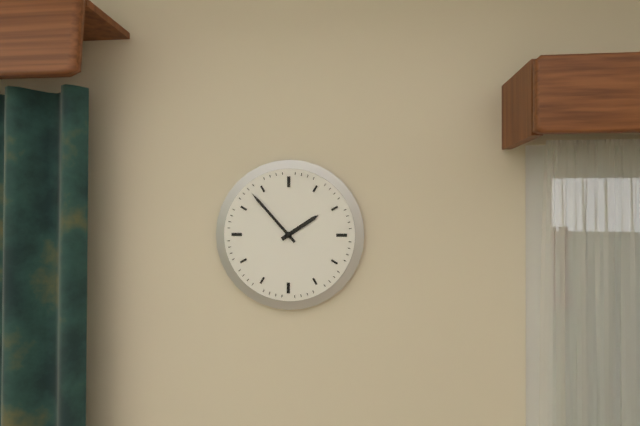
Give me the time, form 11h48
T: 1h53
